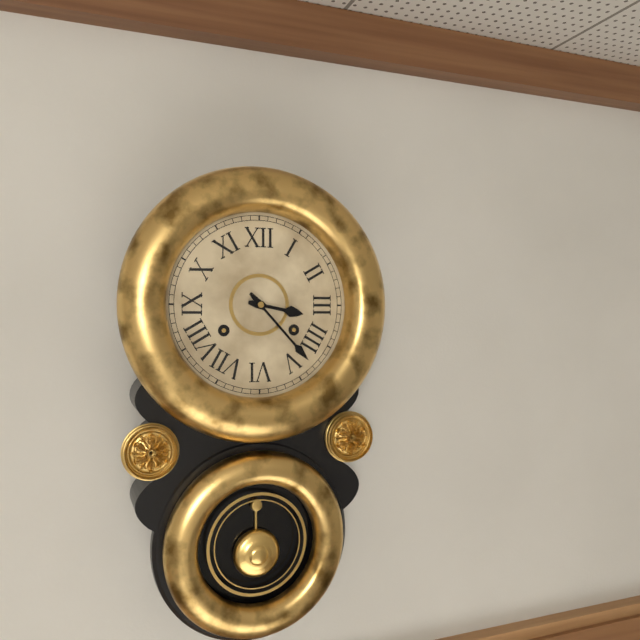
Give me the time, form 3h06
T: 3h23
